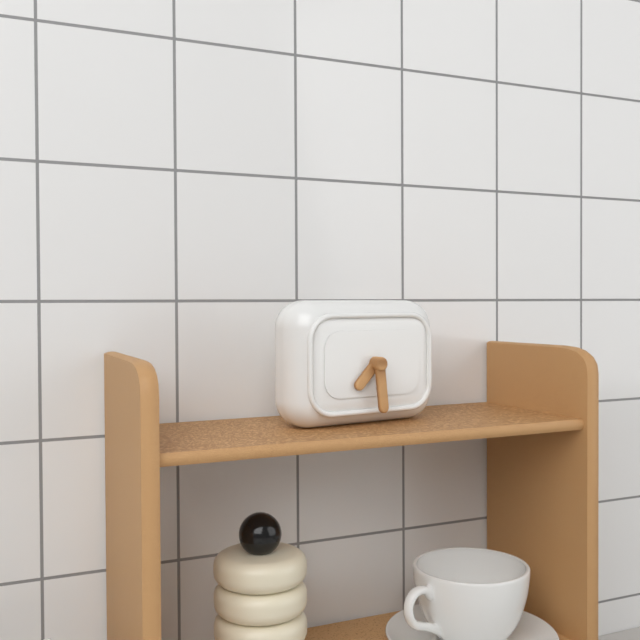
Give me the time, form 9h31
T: 7h29
